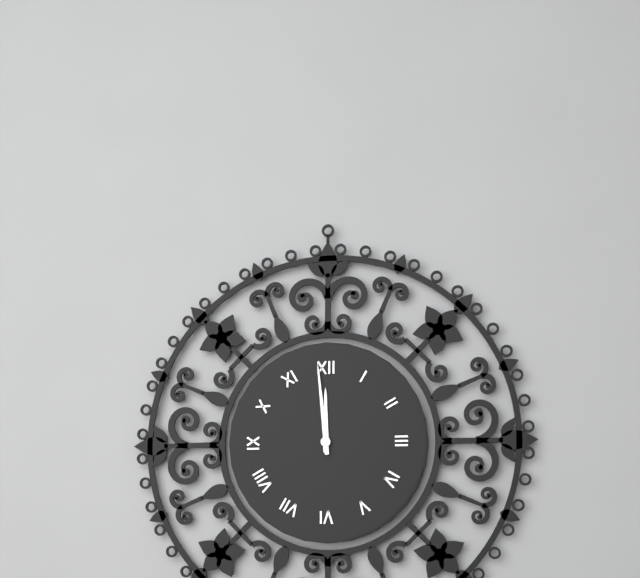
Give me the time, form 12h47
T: 11h59
